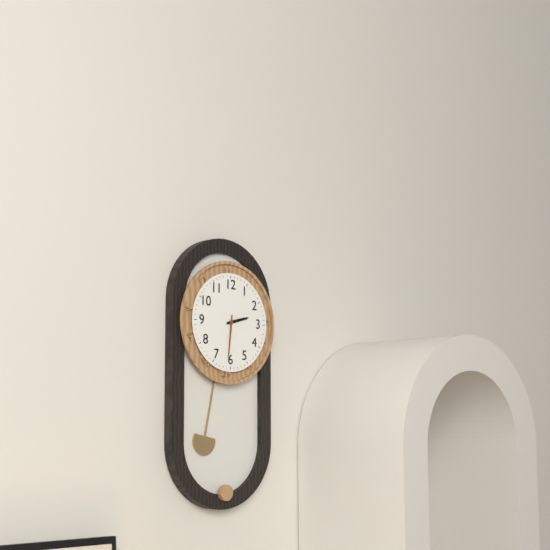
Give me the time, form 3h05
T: 2h31
